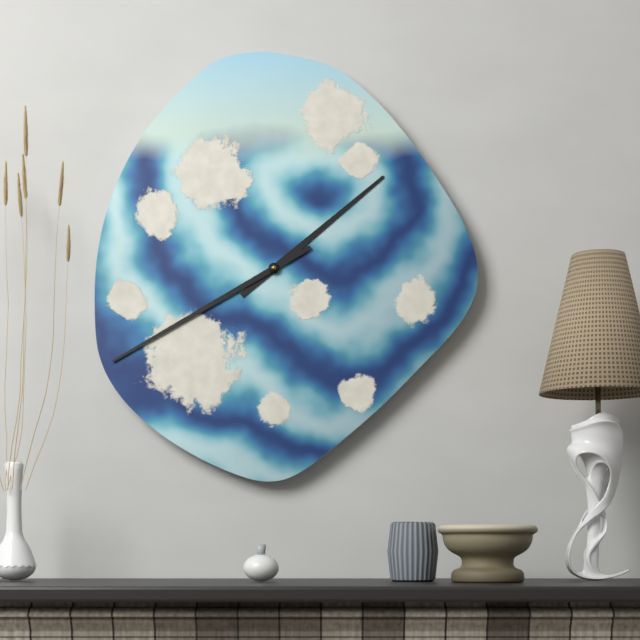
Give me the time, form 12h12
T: 1h40
